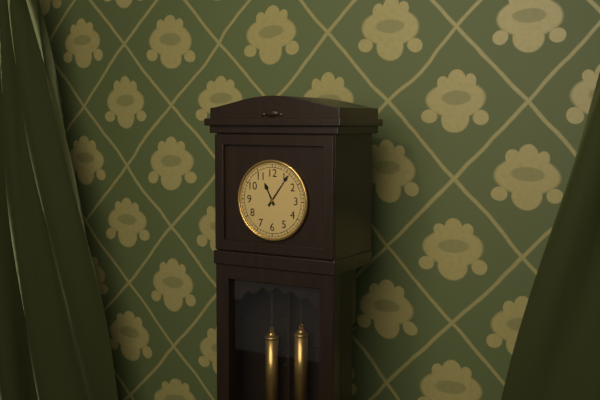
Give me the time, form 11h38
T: 11h06
